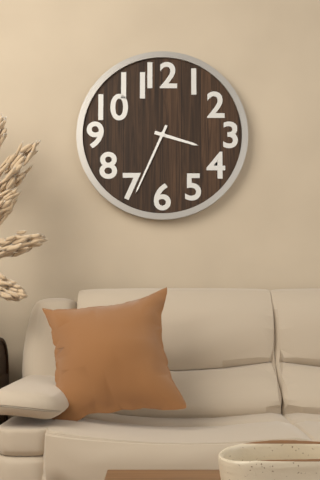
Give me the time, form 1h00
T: 3h34
